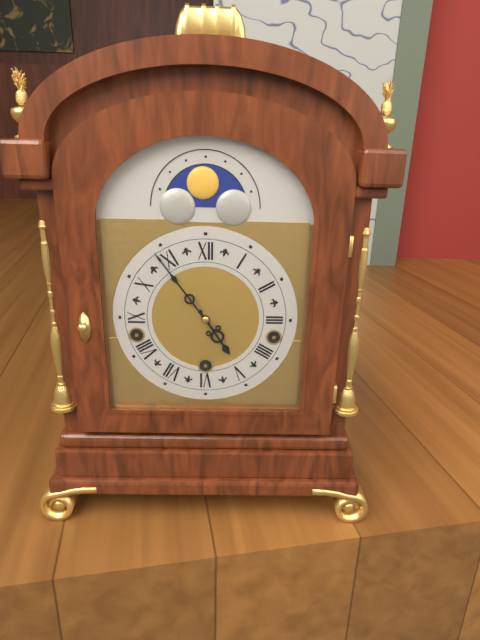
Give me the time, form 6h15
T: 4h54
